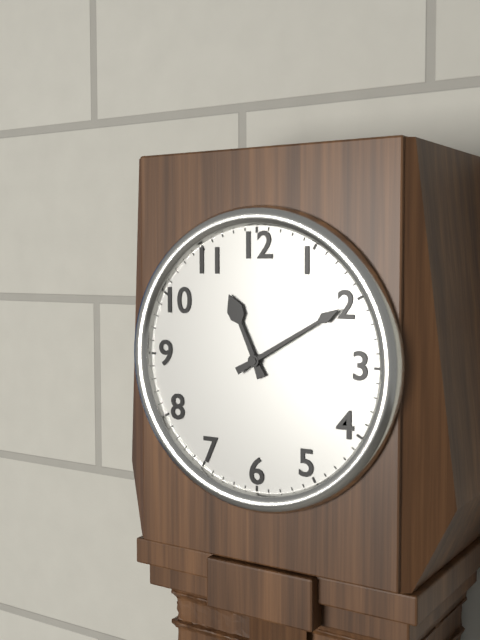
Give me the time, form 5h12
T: 11h10
